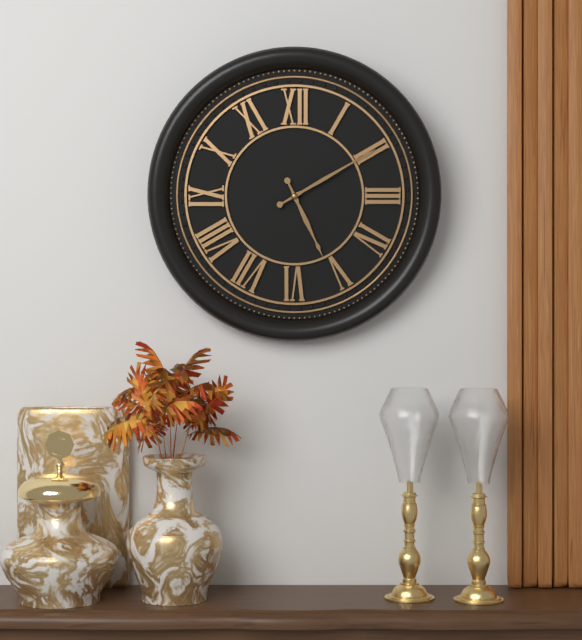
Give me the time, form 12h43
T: 5h10
